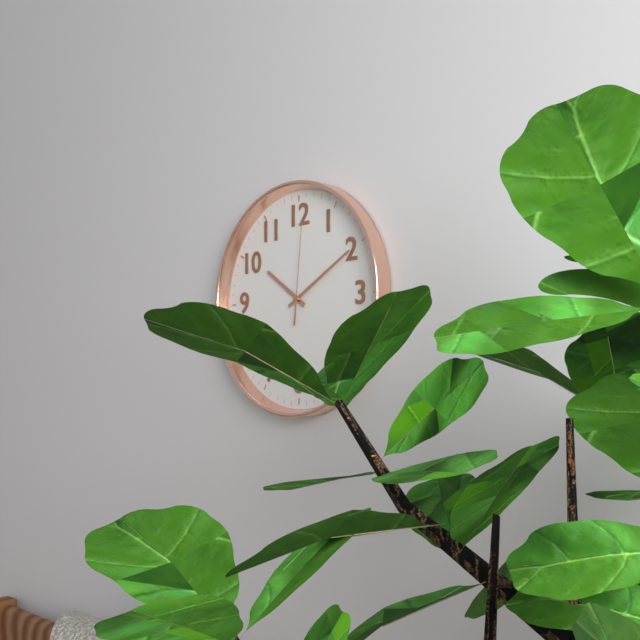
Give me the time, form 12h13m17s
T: 10h10m01s
